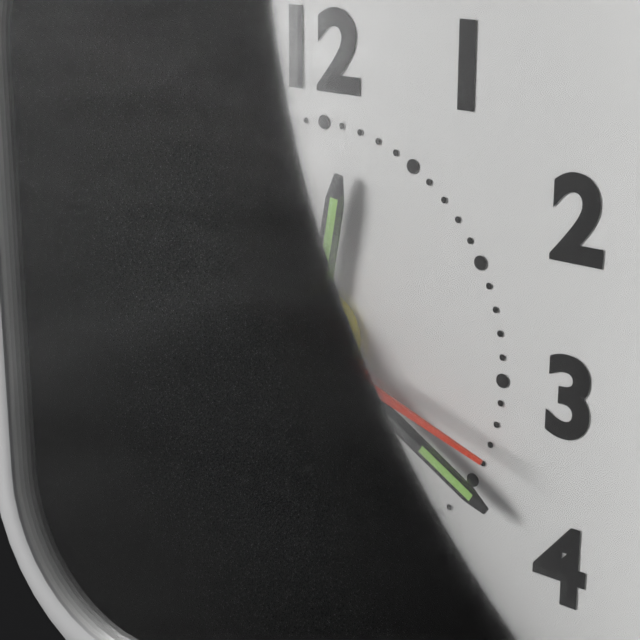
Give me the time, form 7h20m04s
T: 12h20m18s
